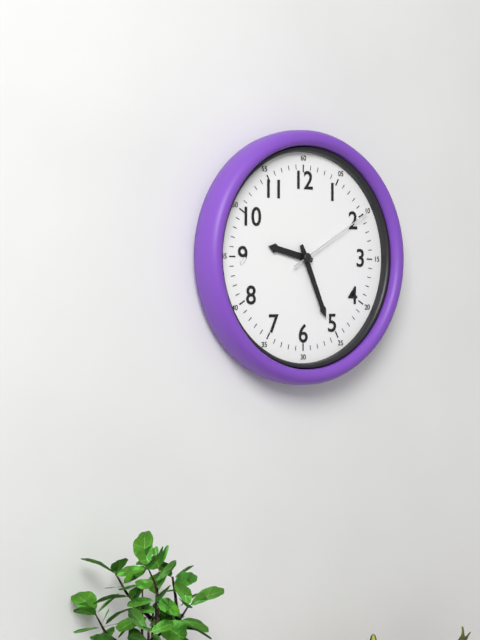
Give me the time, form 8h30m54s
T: 9h26m10s
